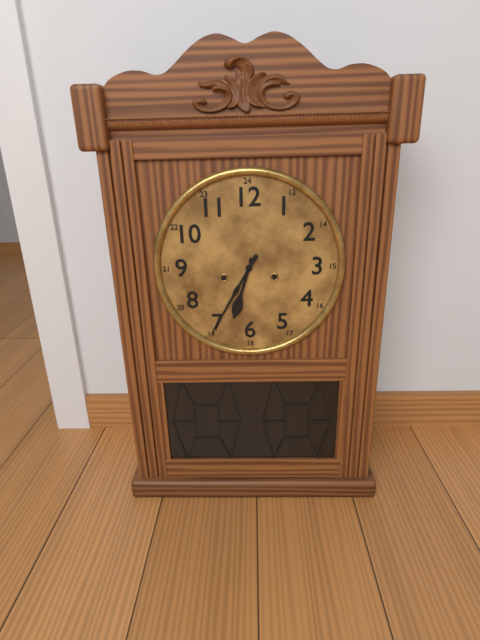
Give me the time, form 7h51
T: 6h35
